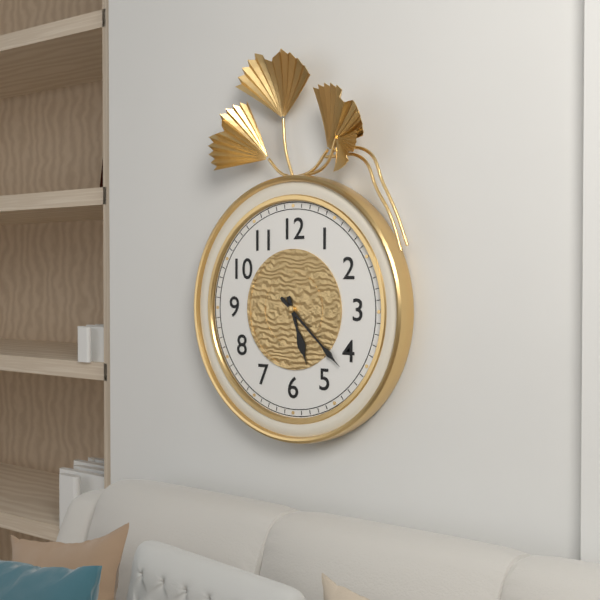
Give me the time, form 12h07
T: 5h22
